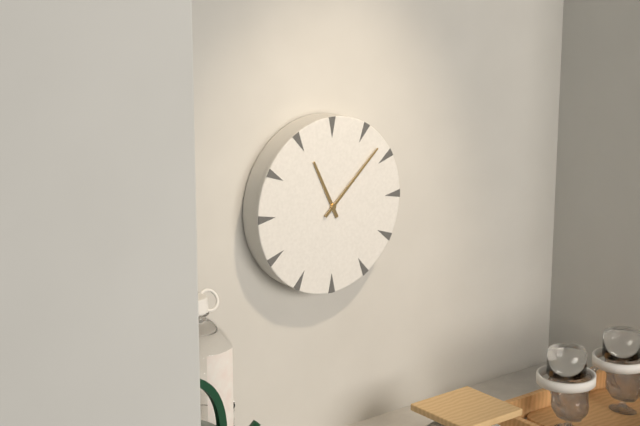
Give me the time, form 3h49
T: 11h08
